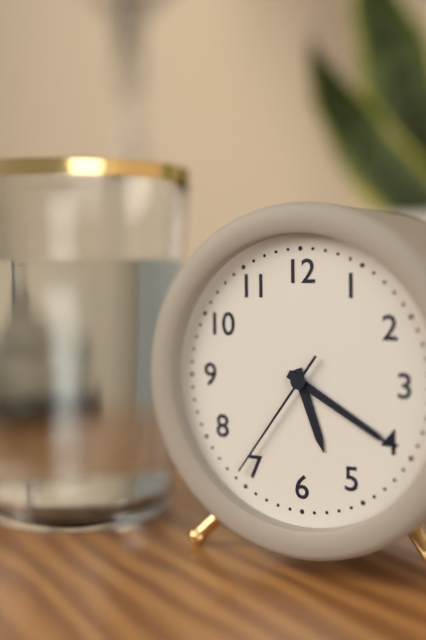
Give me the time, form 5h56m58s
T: 5h20m36s
